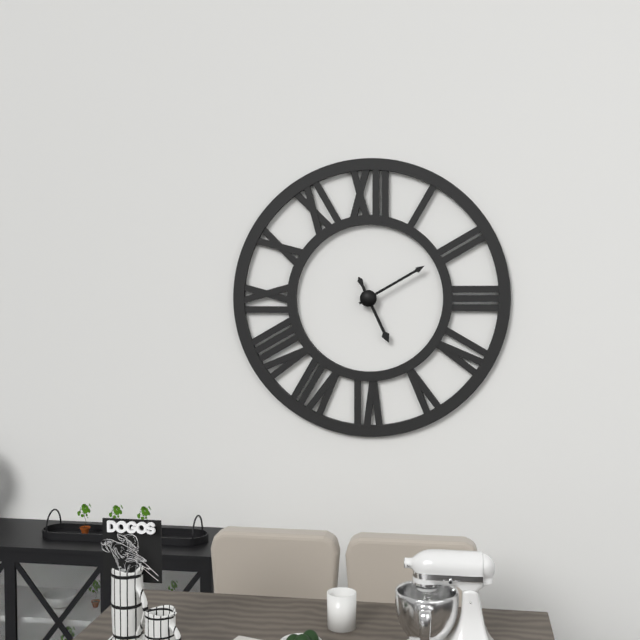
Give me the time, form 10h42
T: 5h10
